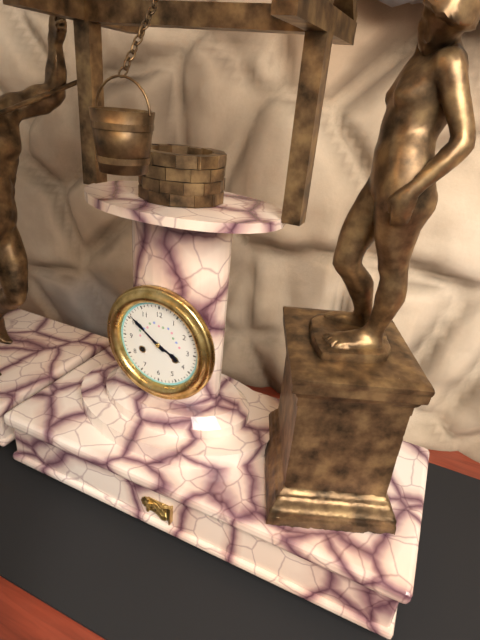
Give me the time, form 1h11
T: 3h51
